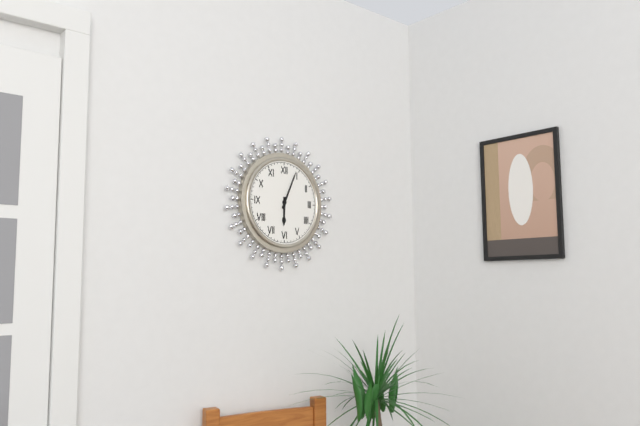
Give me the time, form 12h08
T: 6h04
